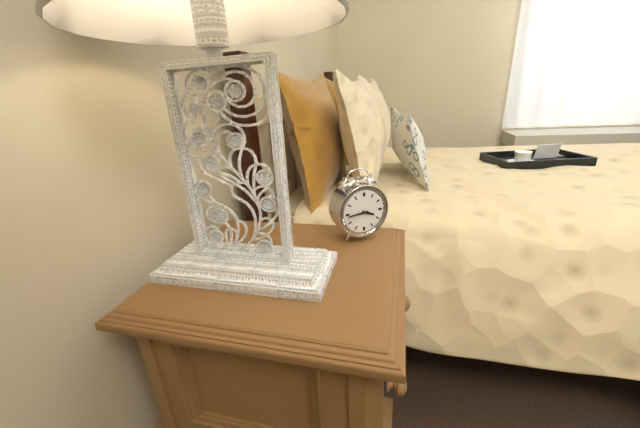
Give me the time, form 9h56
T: 3h44
